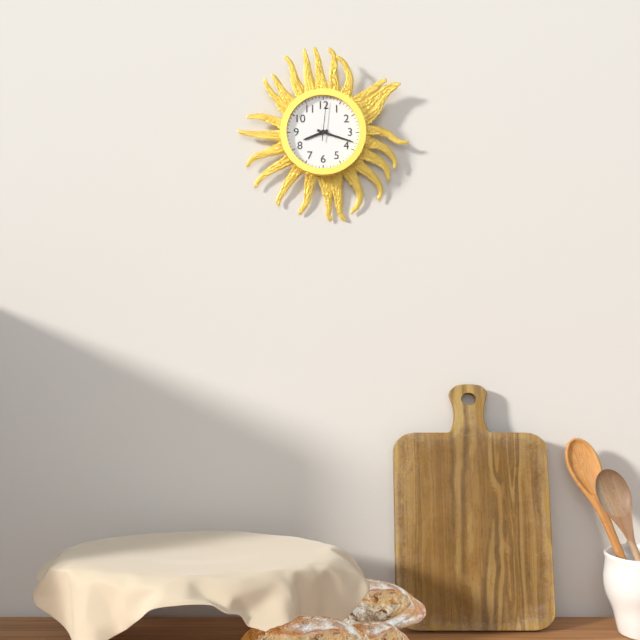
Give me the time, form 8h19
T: 8h18
